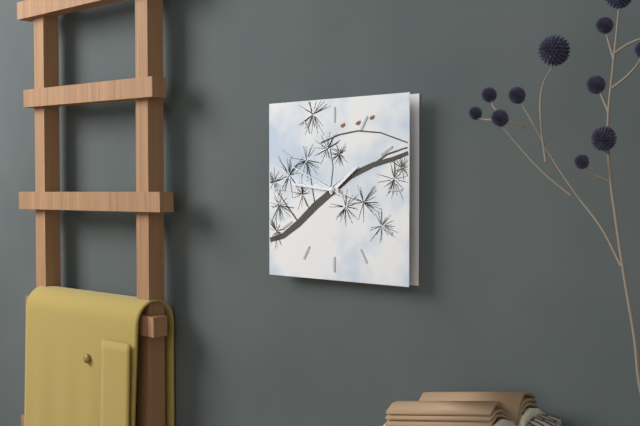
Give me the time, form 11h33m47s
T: 1h46m49s
